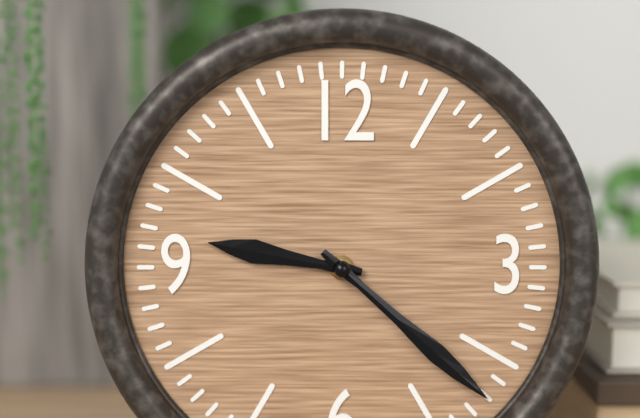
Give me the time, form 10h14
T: 9h22
